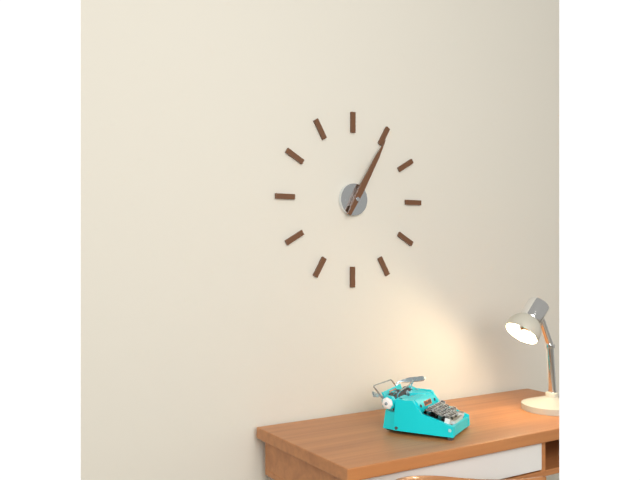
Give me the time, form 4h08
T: 1h05
